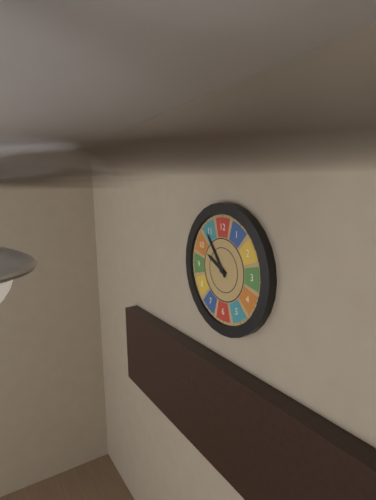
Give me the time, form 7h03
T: 9h54
